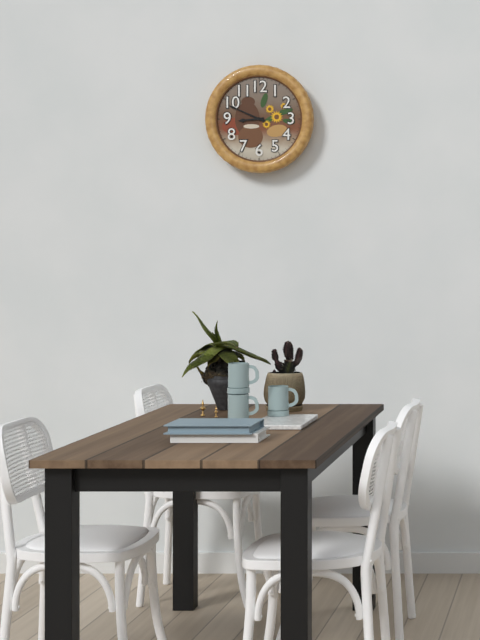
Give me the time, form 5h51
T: 8h49
